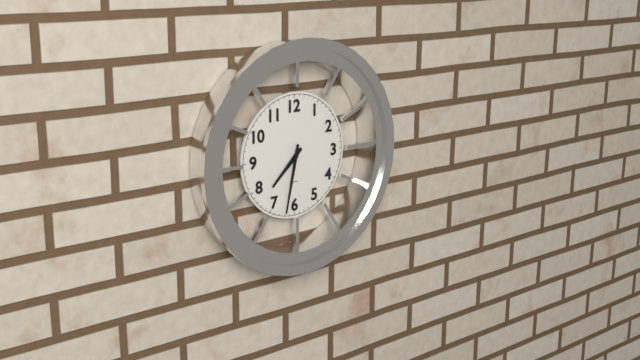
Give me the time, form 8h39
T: 7h32
